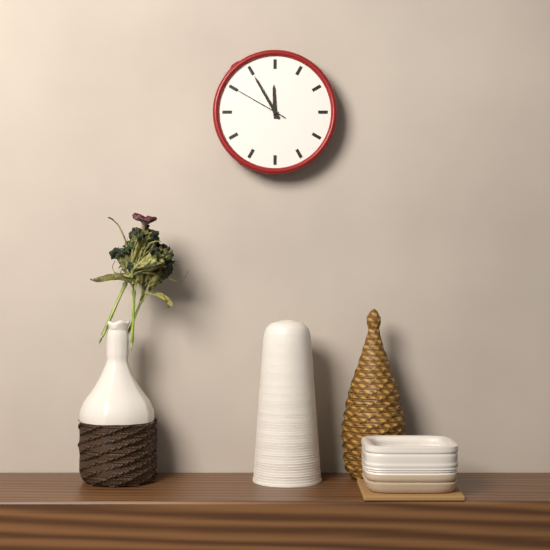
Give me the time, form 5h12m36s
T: 11h55m50s
